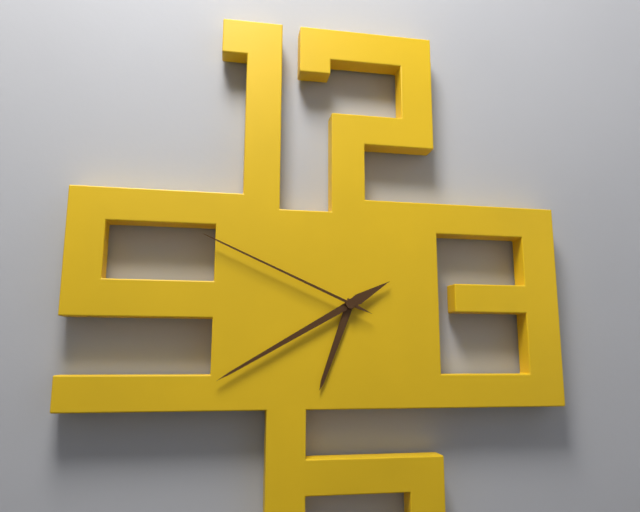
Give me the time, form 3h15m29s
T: 6h40m49s
